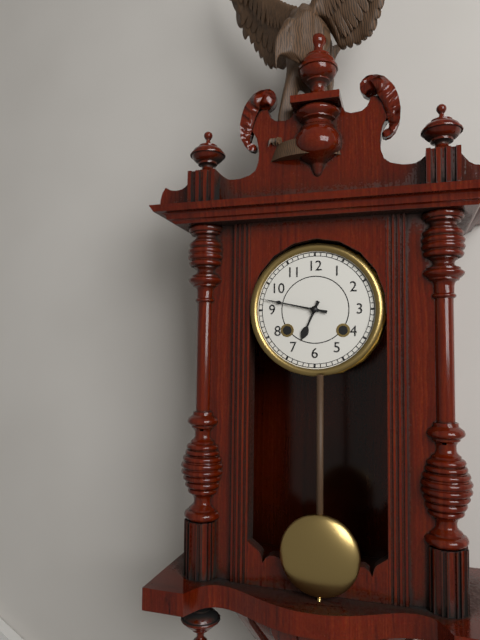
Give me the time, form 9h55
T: 6h47
